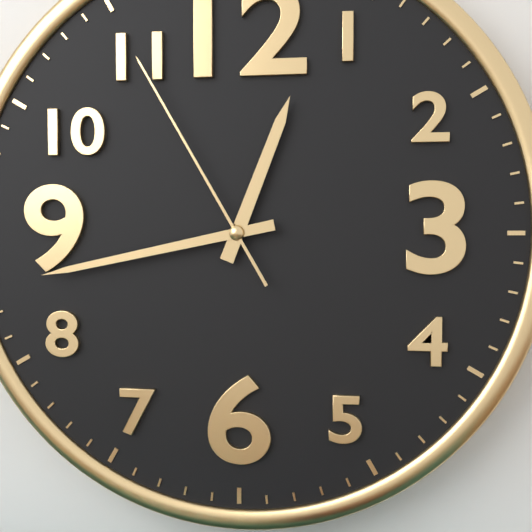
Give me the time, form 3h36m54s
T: 12h43m55s
